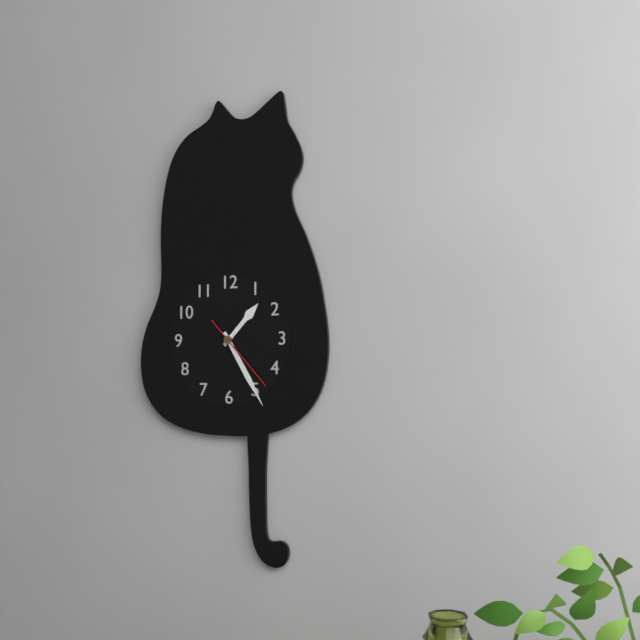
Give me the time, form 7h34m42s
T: 1h25m23s
